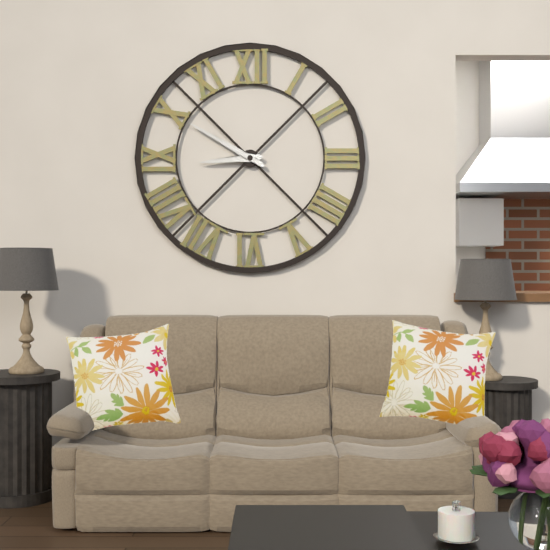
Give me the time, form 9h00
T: 8h50
